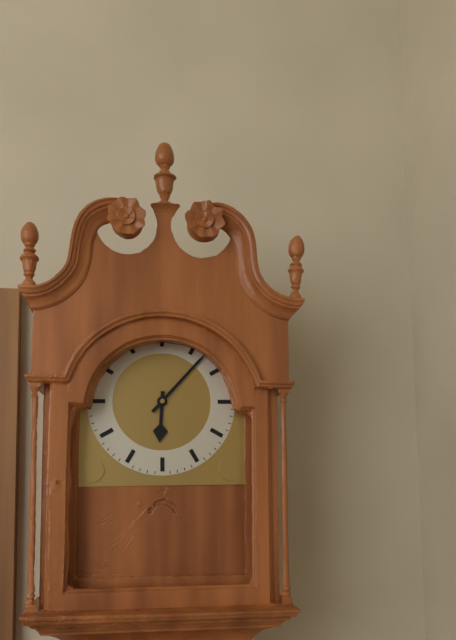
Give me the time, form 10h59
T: 6h07
